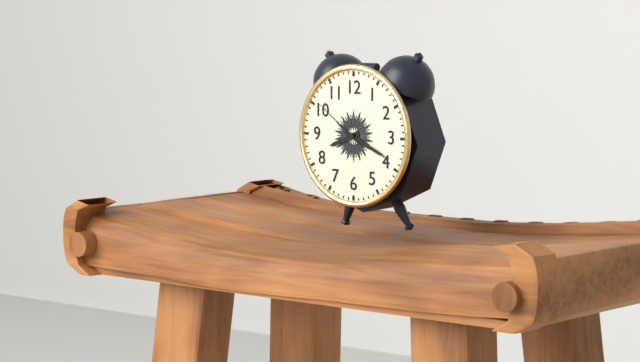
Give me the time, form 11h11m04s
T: 8h19m51s
